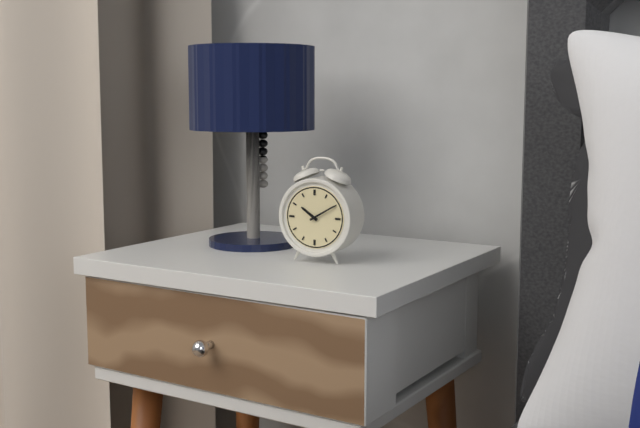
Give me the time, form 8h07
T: 10h10
